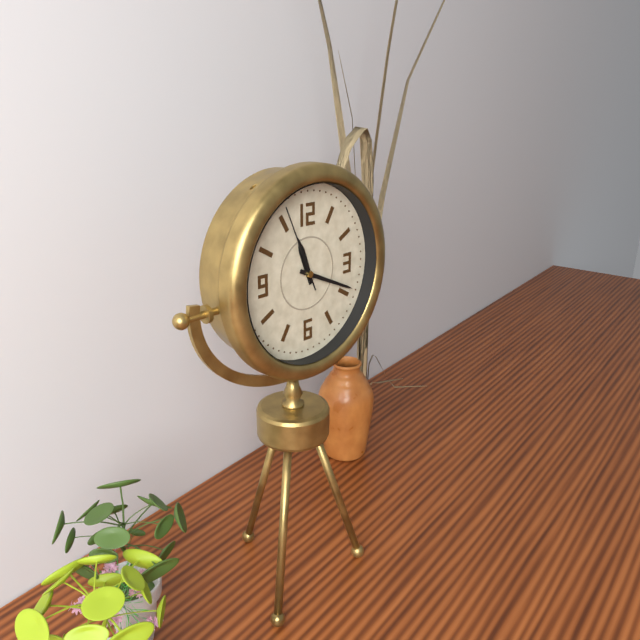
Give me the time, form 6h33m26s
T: 11h19m56s
